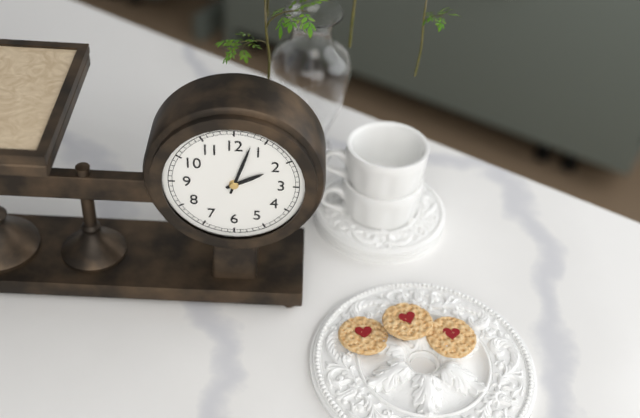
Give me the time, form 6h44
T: 2h03
